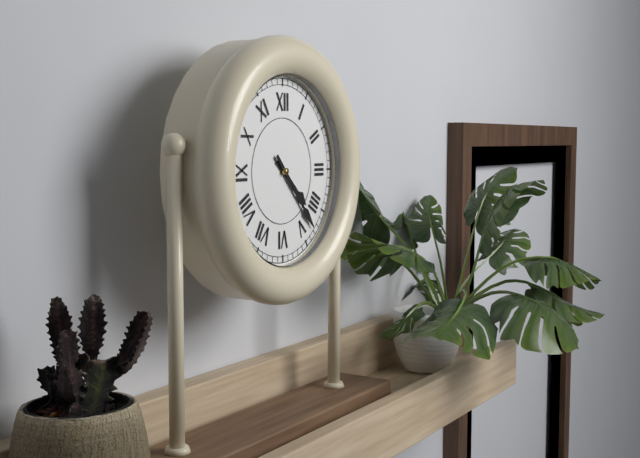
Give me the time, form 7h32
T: 4h23
